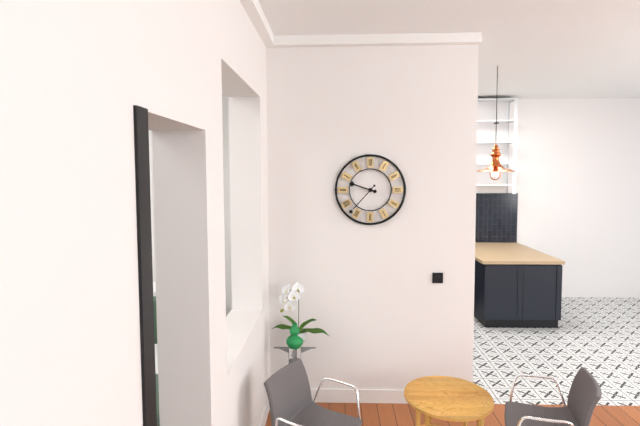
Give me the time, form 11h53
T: 9h37
